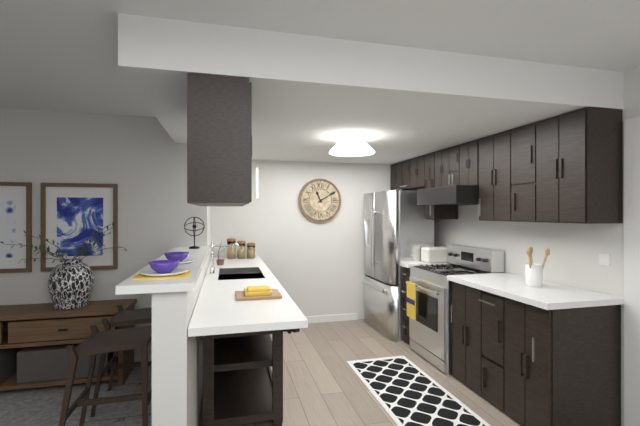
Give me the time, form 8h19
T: 11h10
